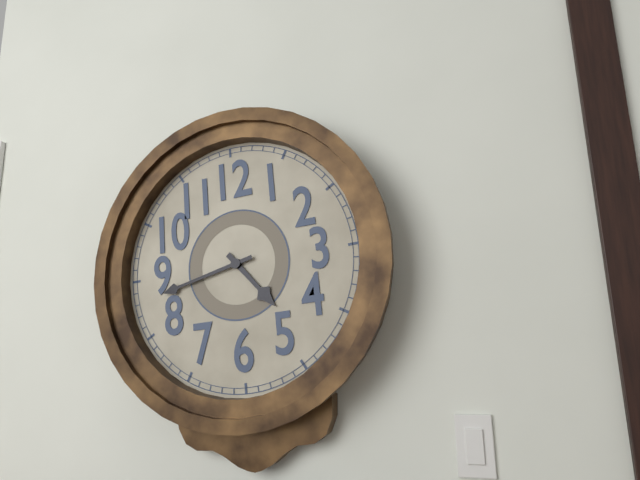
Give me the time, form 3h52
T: 4h43
